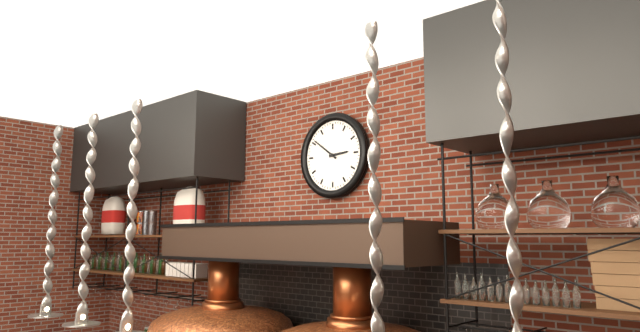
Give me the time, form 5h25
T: 2h51
